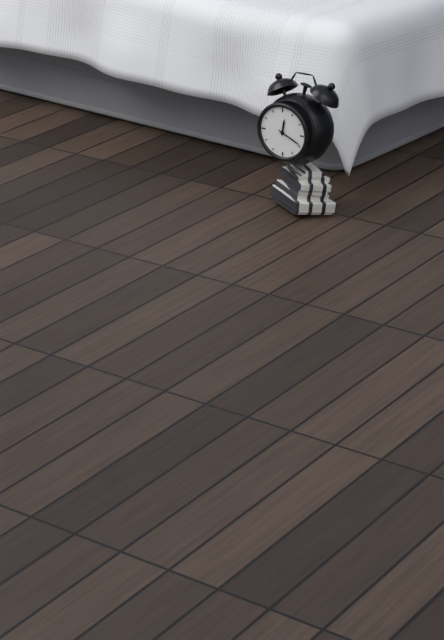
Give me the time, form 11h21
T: 12h19
